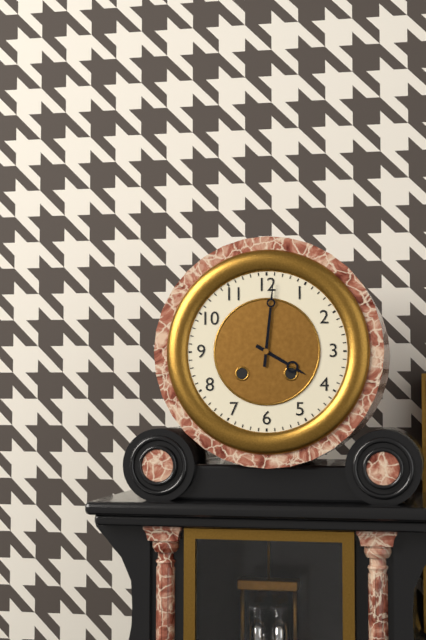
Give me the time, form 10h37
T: 4h01
